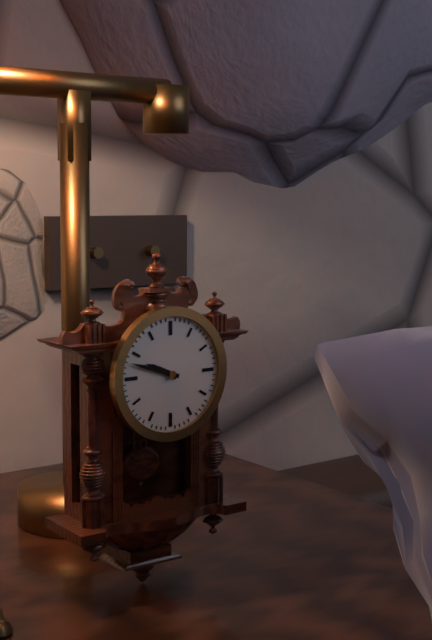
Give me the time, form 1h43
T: 9h48
